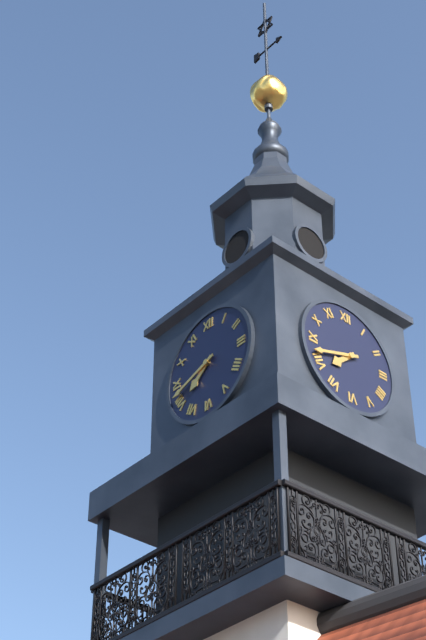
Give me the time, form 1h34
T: 7h42
